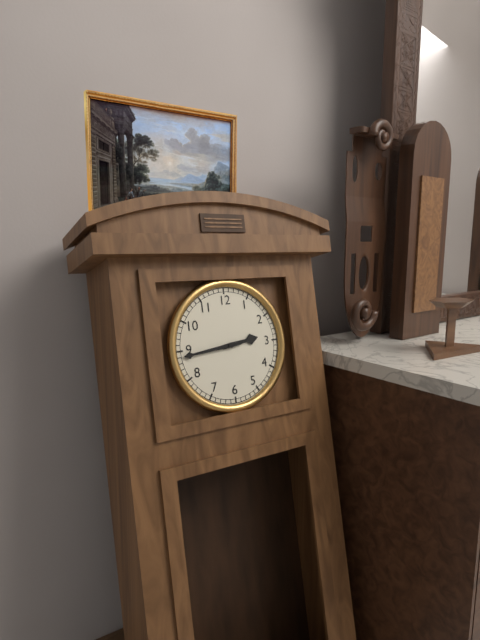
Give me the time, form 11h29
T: 2h44
